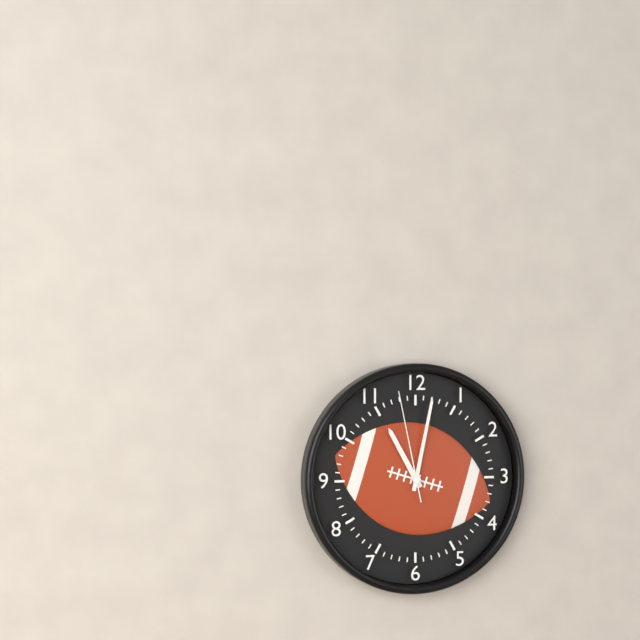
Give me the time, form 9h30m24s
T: 11h02m58s
